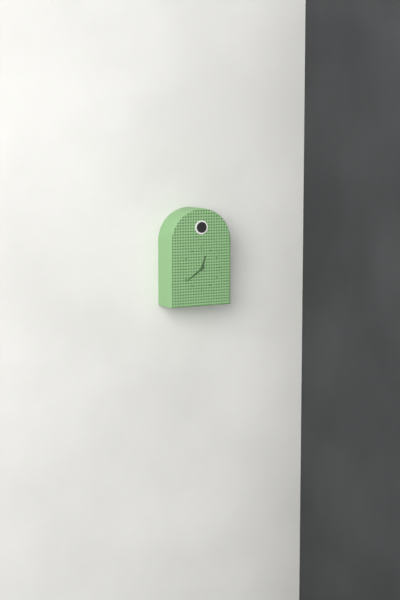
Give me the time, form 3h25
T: 12h39
